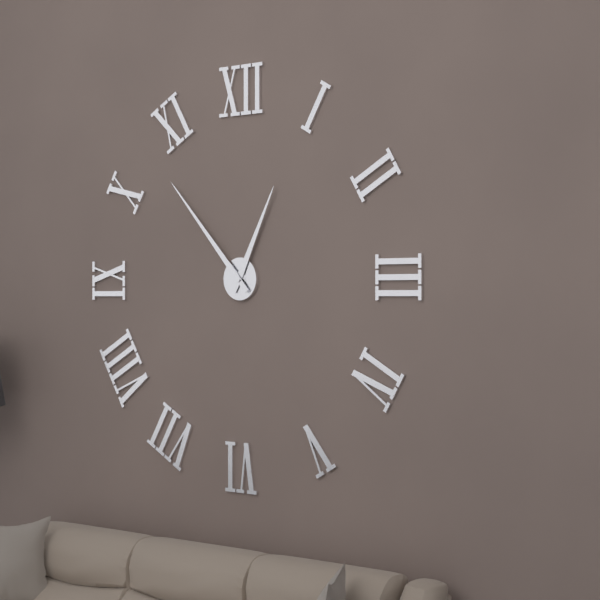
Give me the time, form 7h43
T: 12h53
